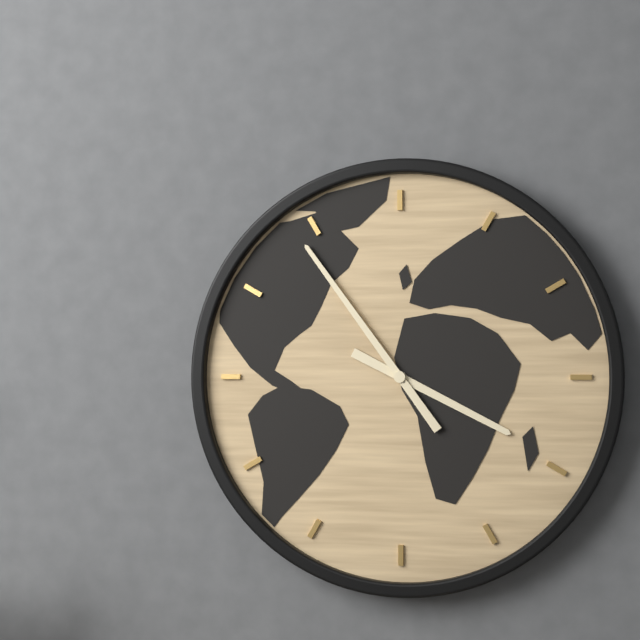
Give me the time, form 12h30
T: 3h54
